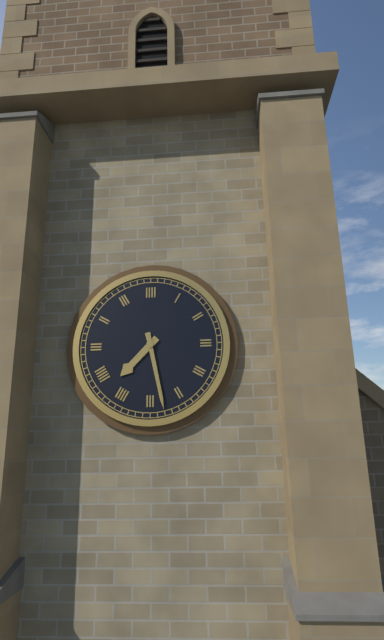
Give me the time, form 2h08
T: 7h28
